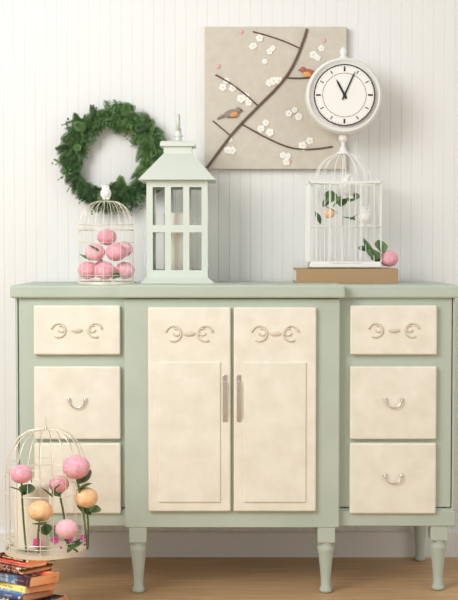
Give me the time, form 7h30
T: 11h04
